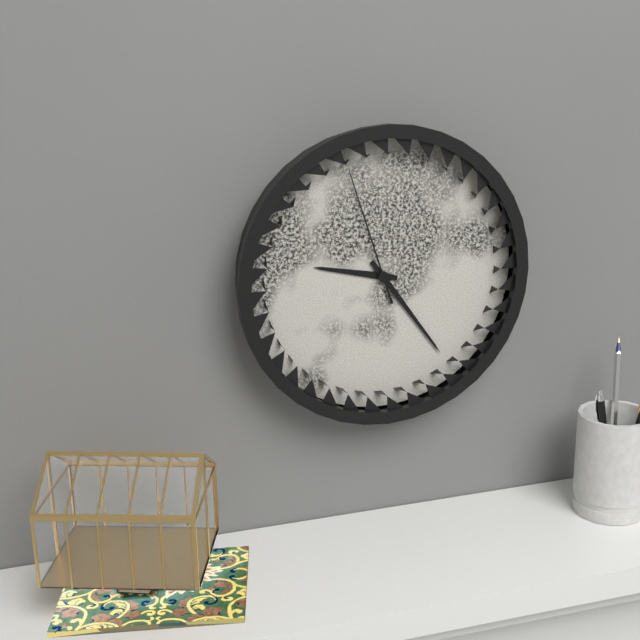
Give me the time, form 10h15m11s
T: 9h24m57s
